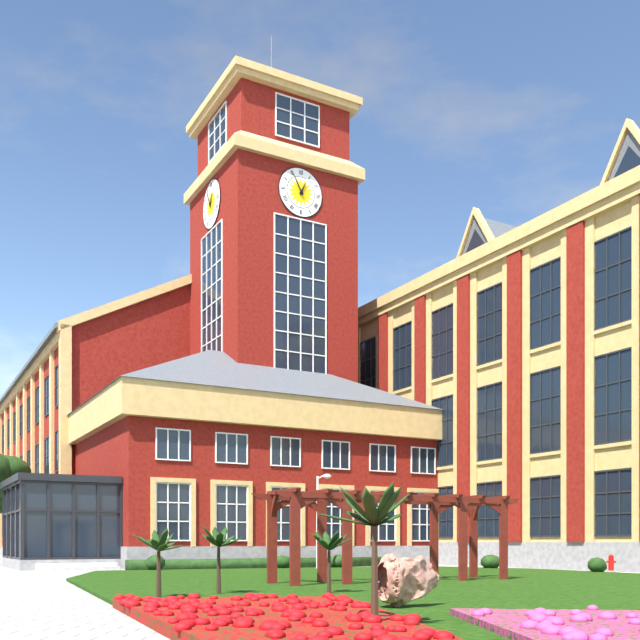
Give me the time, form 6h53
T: 12h55
